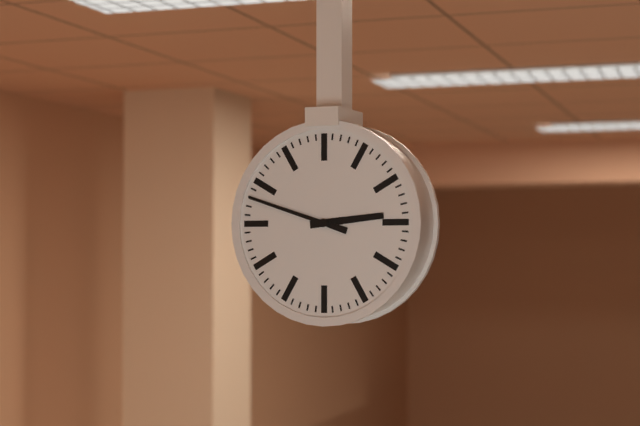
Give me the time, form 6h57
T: 2h48
